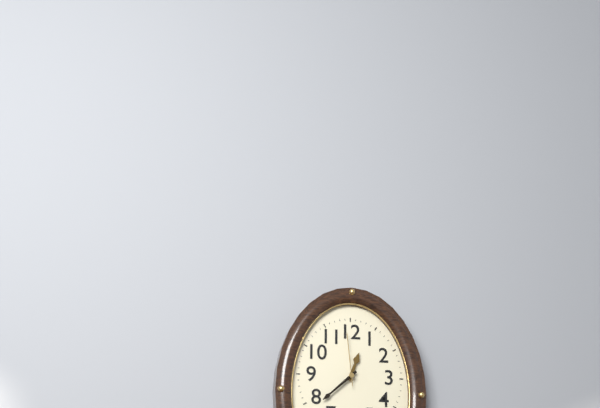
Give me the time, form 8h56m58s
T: 12h38m59s
